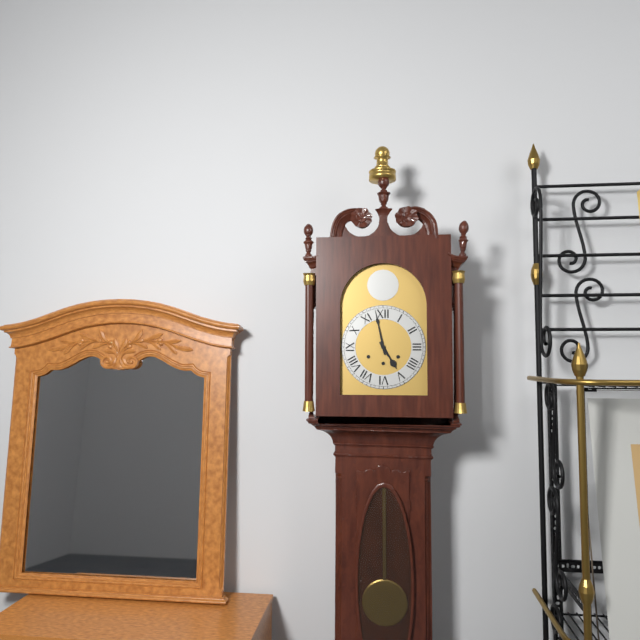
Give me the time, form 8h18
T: 4h58
